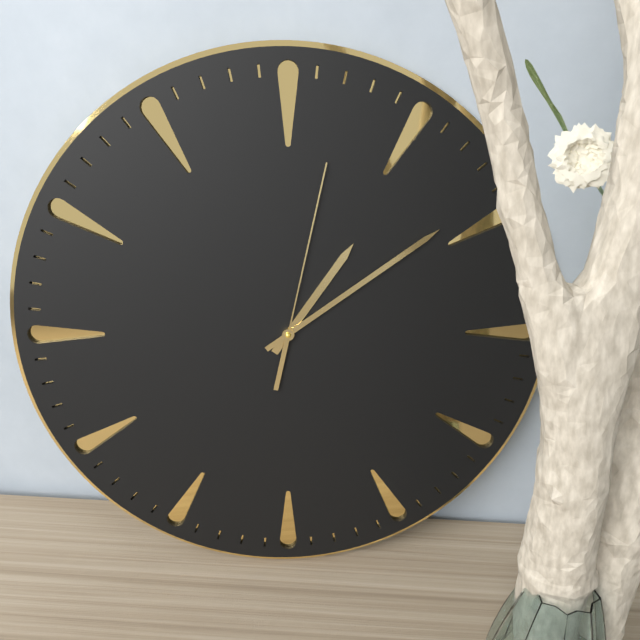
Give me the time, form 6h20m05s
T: 1h09m02s
